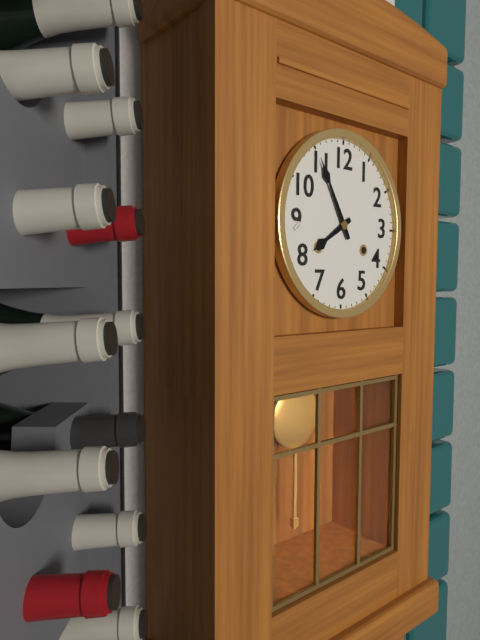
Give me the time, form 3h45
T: 7h55
